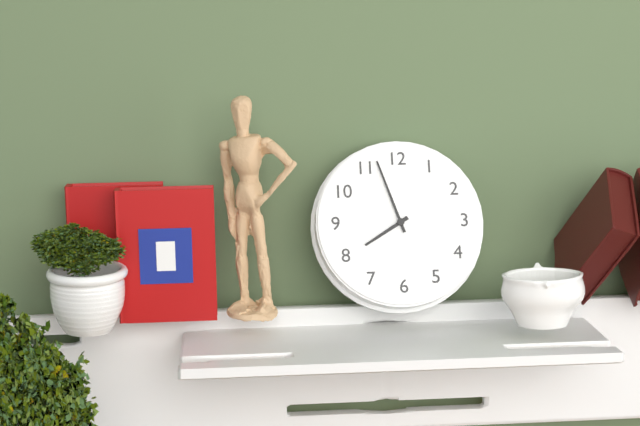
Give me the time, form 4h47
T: 7h57
